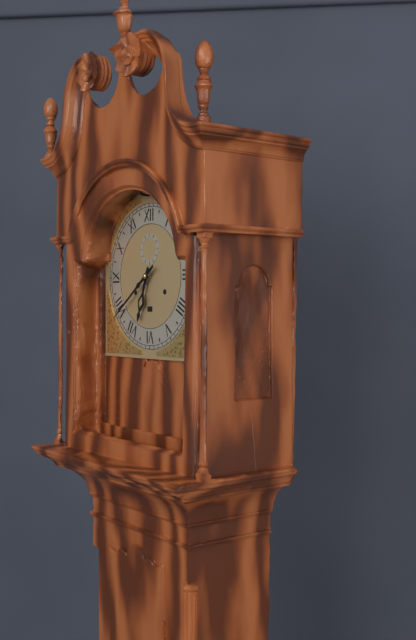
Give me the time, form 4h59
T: 6h39
